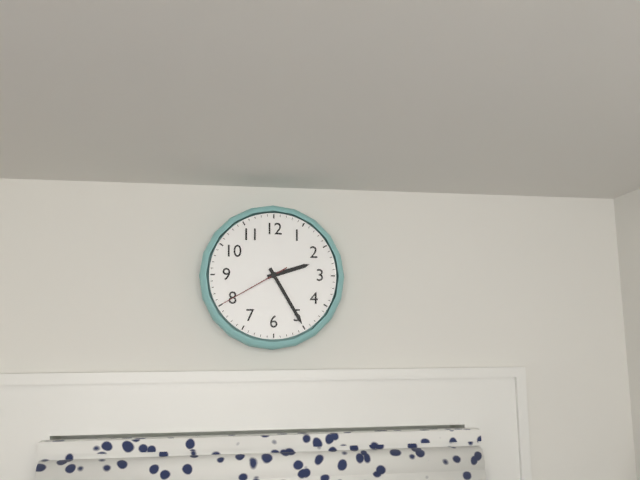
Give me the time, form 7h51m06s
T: 2h25m40s
